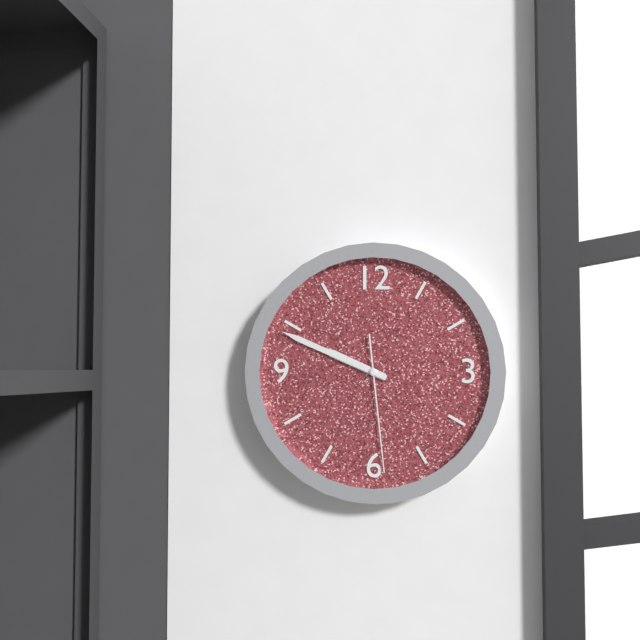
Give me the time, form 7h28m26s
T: 9h49m29s
